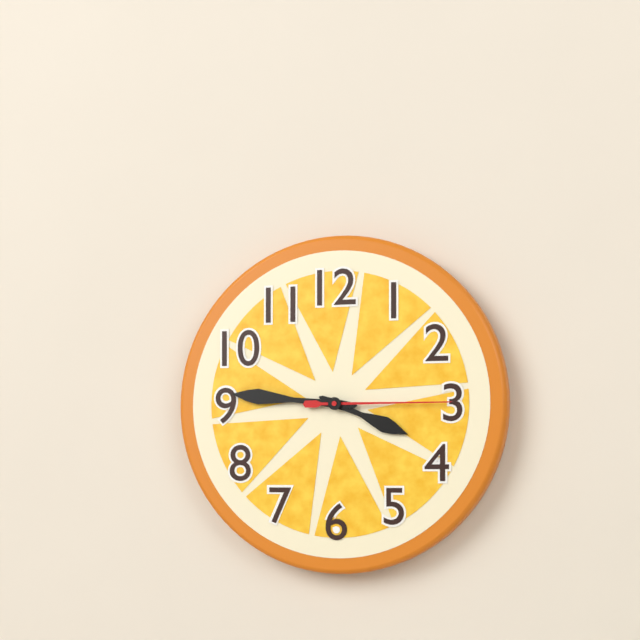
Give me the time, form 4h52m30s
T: 3h46m15s
